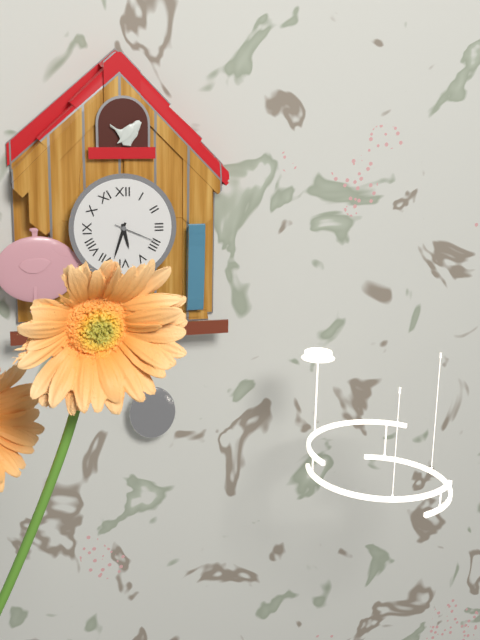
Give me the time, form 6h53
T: 5h33
